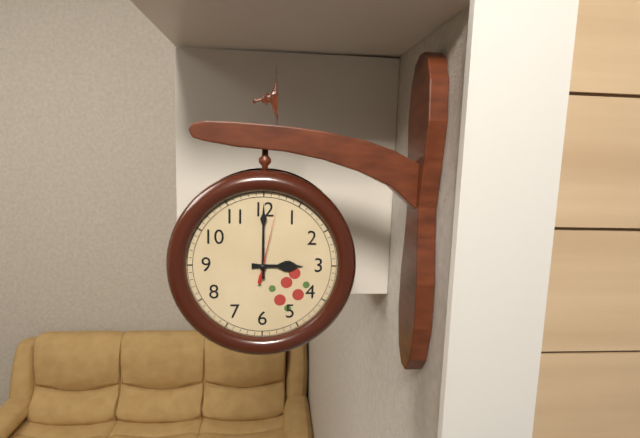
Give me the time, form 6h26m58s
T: 3h00m02s
